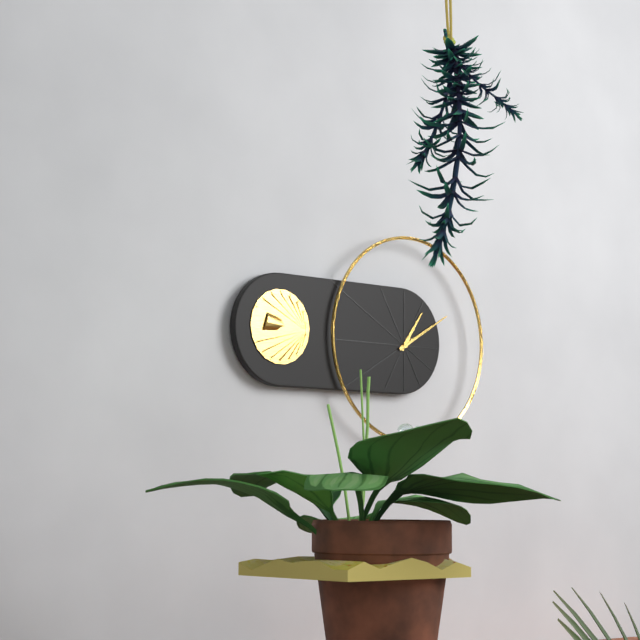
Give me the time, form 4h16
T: 1h10
